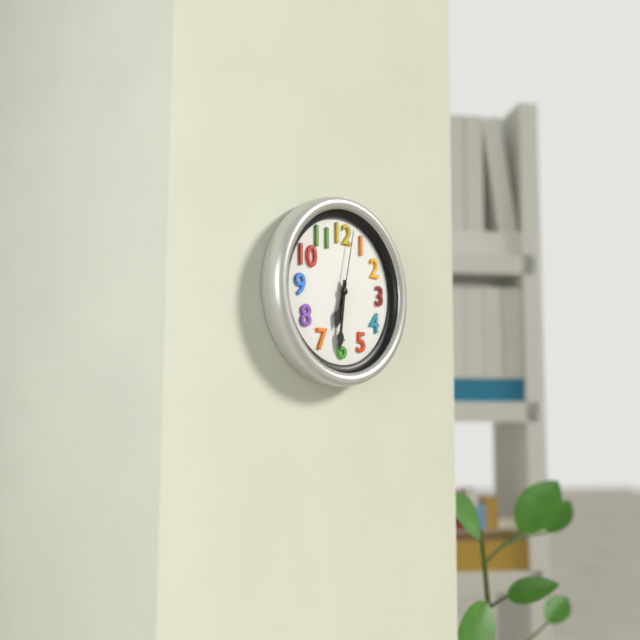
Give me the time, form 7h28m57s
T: 6h31m02s
